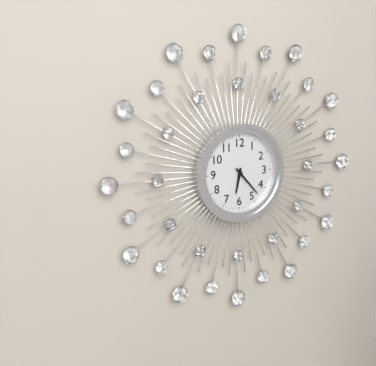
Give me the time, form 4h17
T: 6h23
